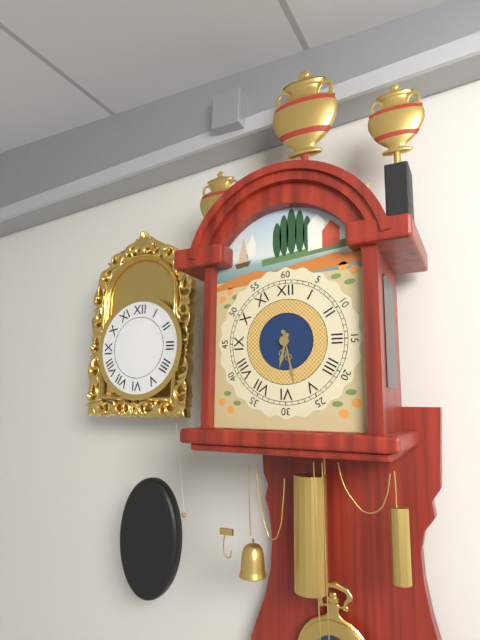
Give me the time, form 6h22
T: 6h28
